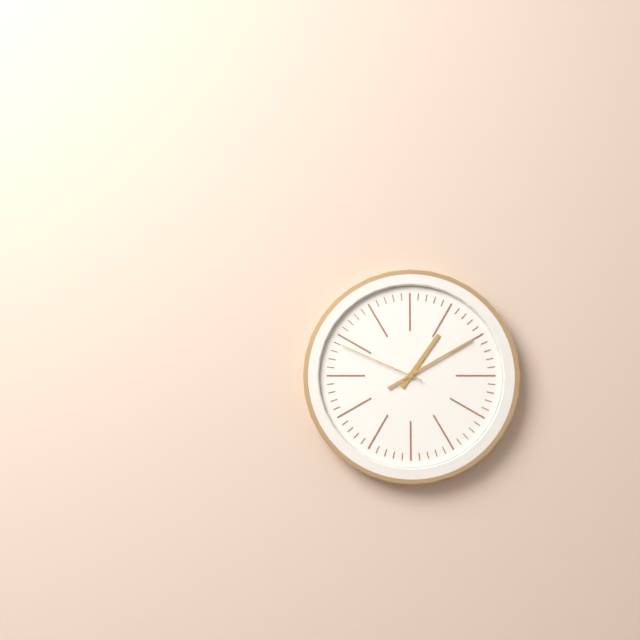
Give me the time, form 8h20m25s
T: 1h10m49s
